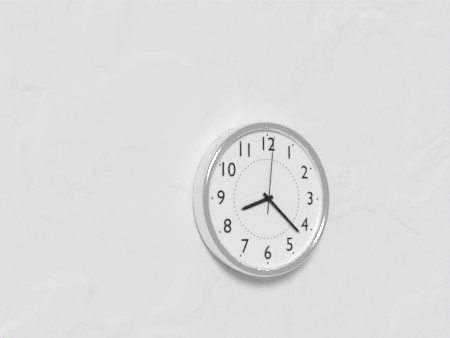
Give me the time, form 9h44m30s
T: 8h22m01s
